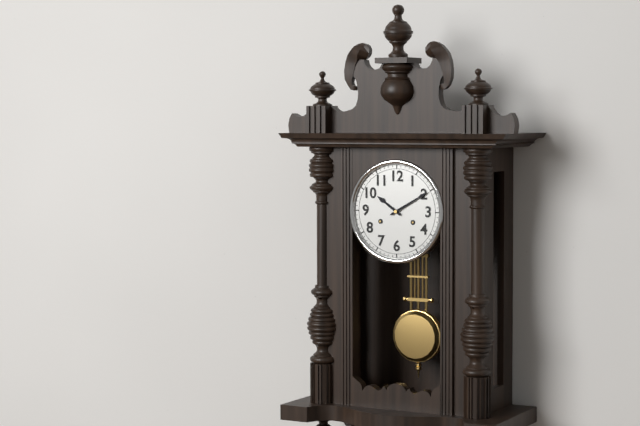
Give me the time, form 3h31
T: 10h10
